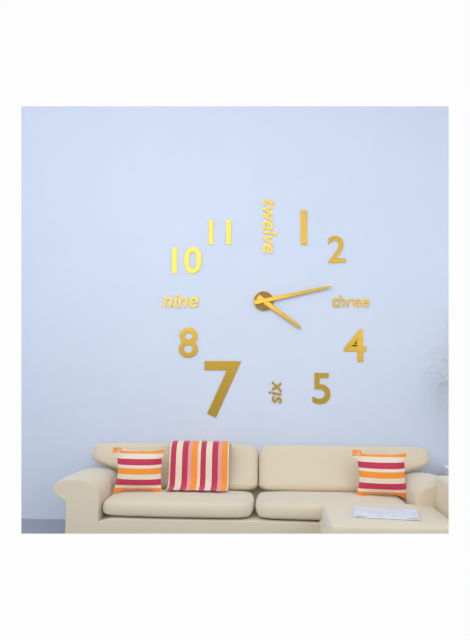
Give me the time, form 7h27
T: 4h13
